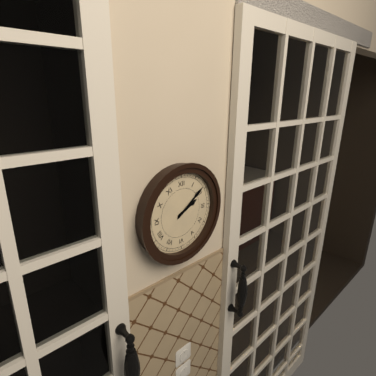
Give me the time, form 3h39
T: 2h09
